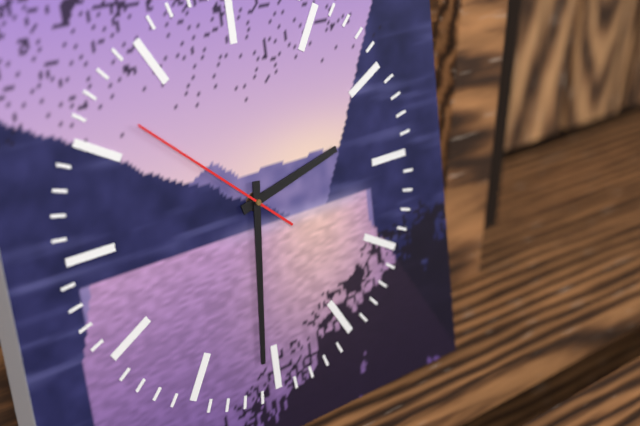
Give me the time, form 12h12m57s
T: 2h31m52s
